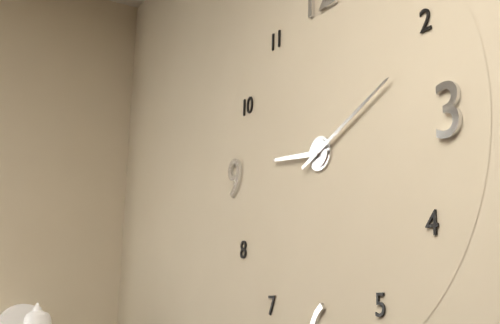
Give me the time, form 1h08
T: 9h11
